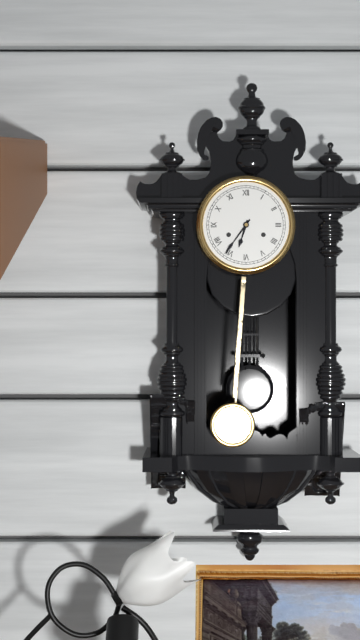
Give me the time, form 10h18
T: 6h36
